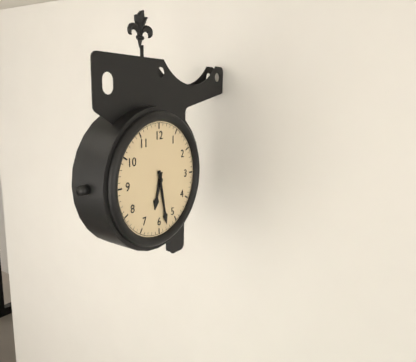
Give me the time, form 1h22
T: 6h28
